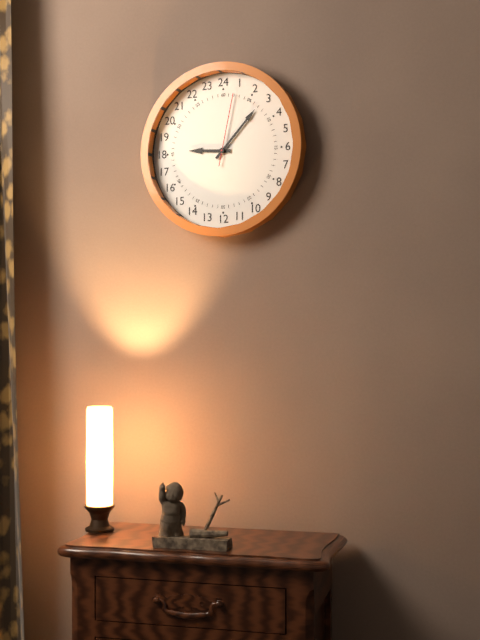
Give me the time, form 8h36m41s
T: 9h07m02s
